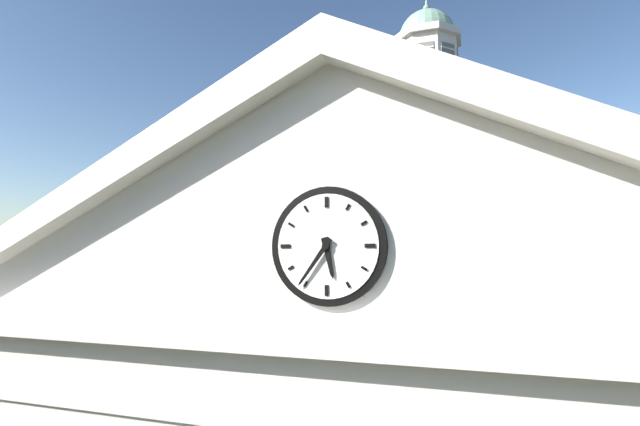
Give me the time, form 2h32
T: 5h36
